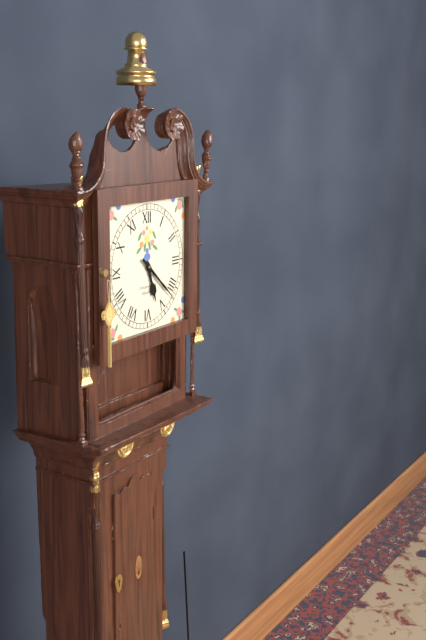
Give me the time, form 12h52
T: 5h22
